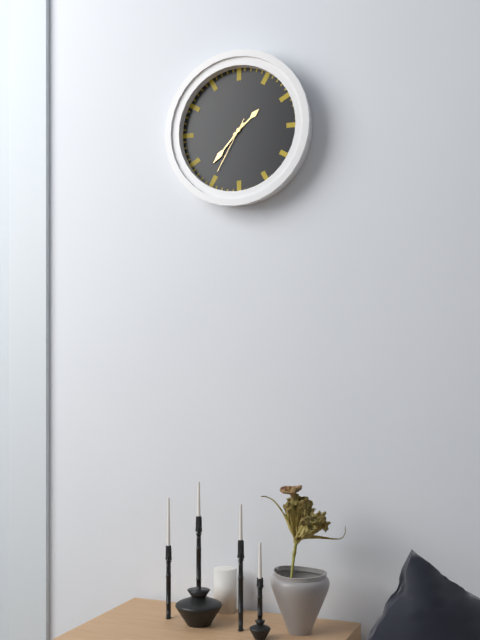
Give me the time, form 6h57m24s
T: 1h37m35s
